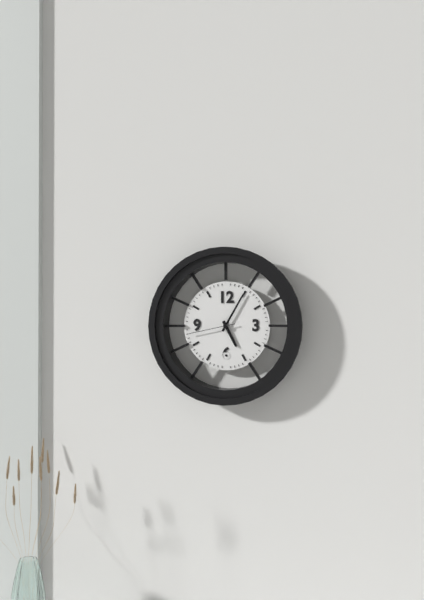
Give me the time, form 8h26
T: 5h05
